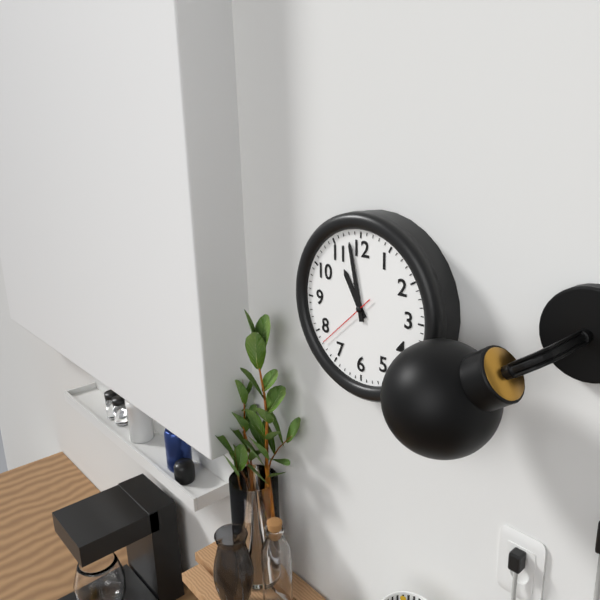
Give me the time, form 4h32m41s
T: 10h58m38s
